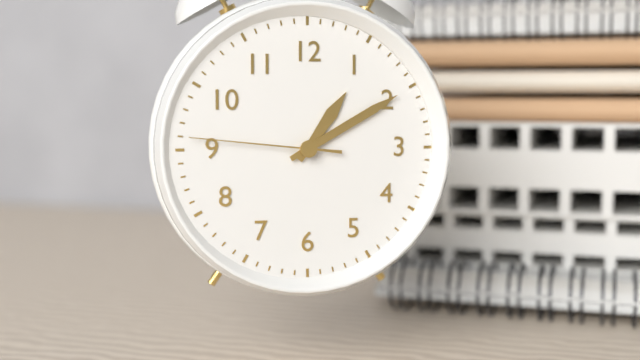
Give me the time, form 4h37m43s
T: 1h10m46s
